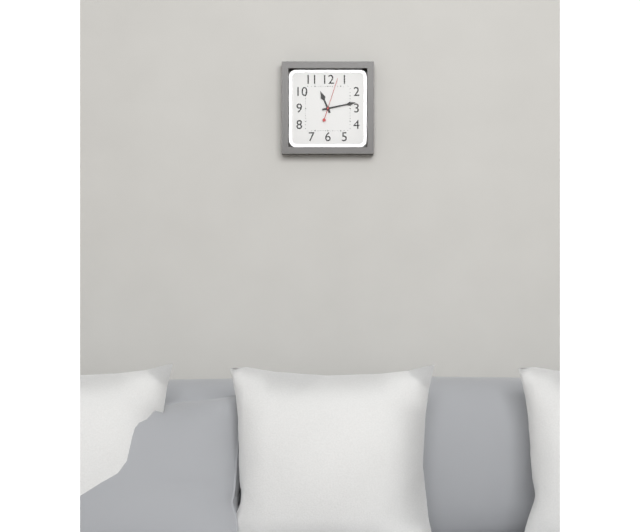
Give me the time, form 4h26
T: 11h13
